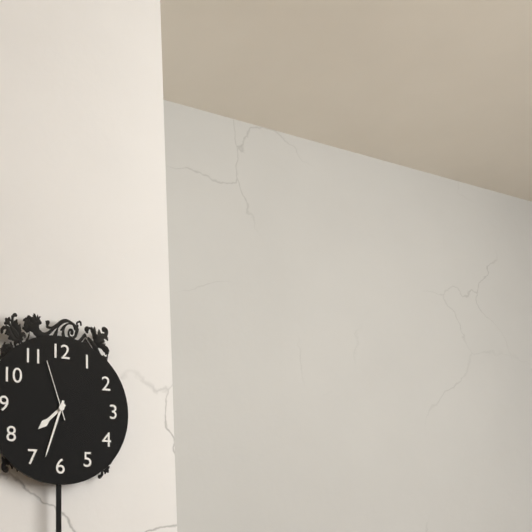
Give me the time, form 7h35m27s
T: 7h33m57s
